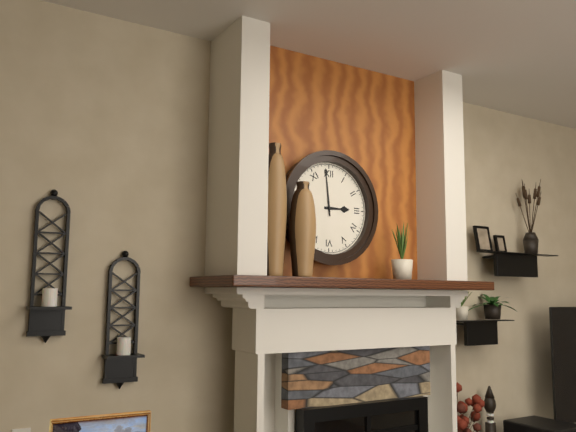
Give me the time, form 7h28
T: 2h59
